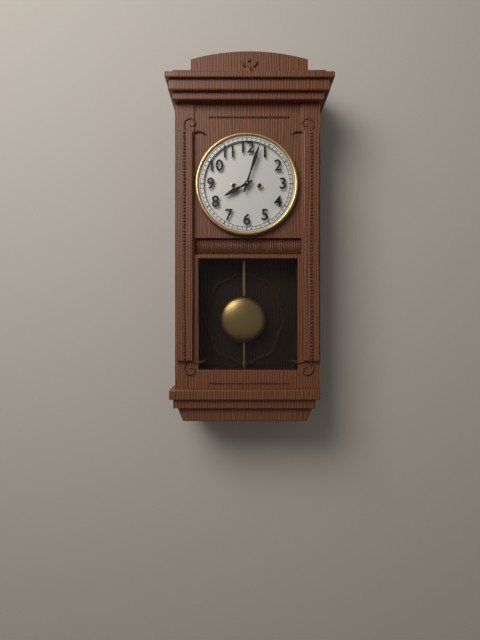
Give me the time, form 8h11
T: 8h03
